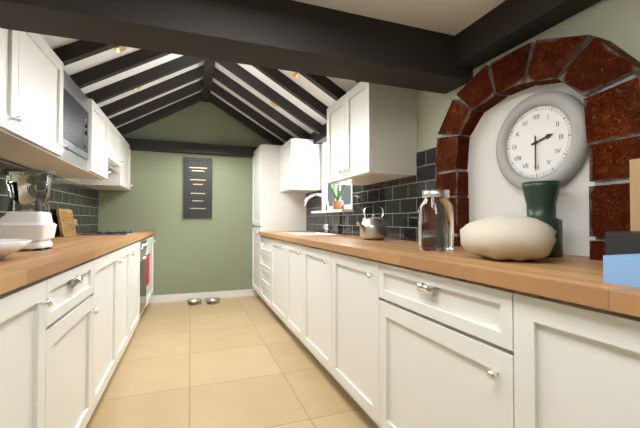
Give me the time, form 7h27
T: 2h30
